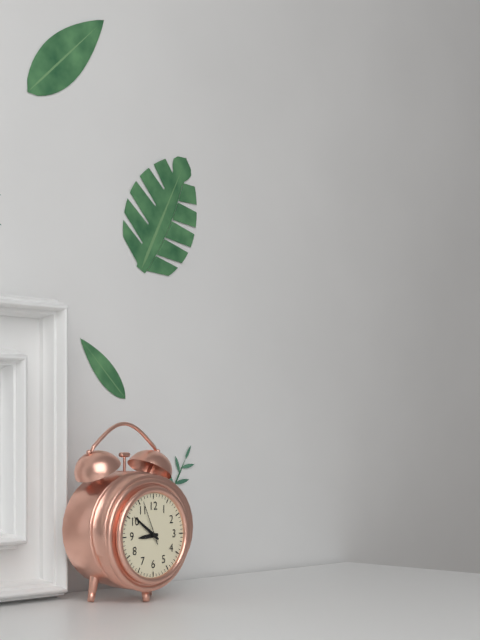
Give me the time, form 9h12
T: 8h51
